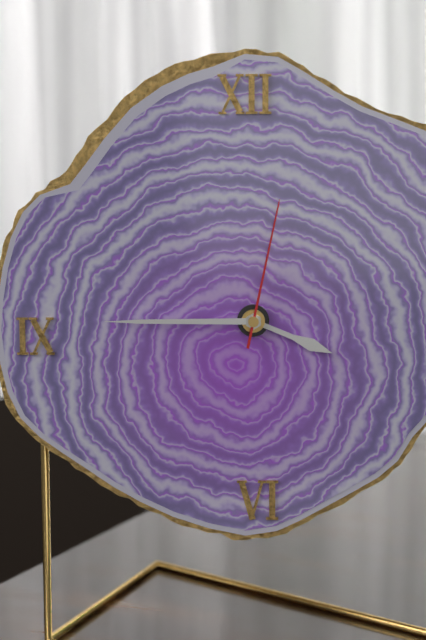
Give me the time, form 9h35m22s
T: 3h45m02s
